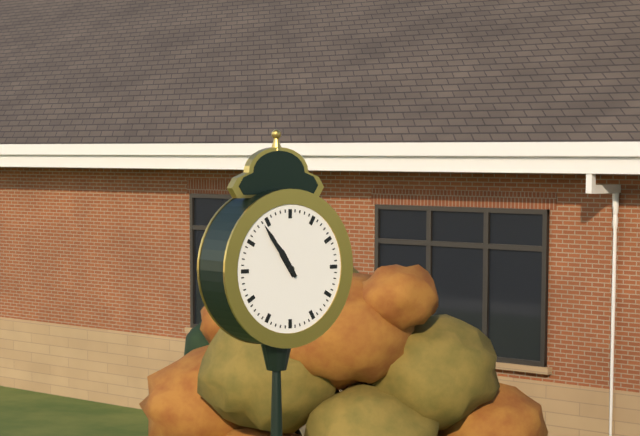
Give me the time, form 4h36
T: 10h54
